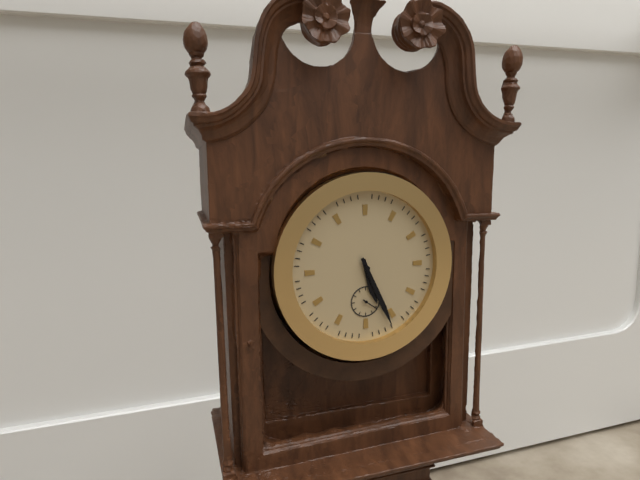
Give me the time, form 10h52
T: 5h26
